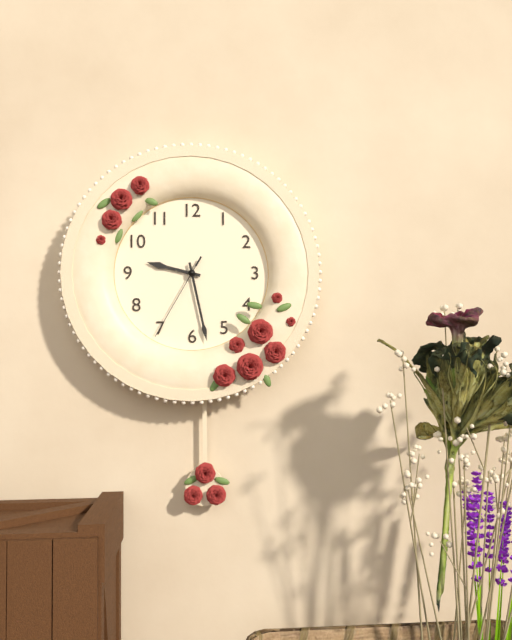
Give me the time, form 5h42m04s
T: 9h28m35s
